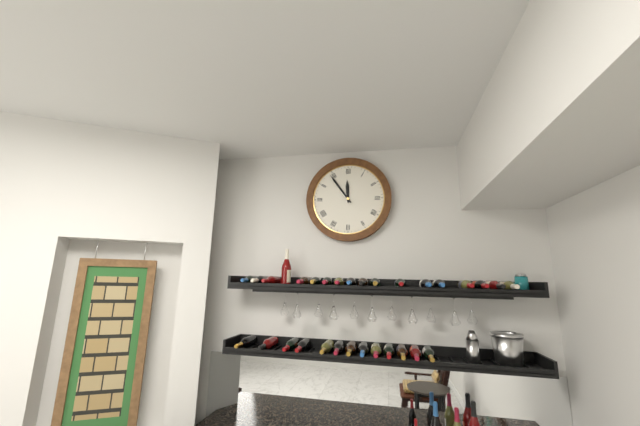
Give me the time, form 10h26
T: 11h54
